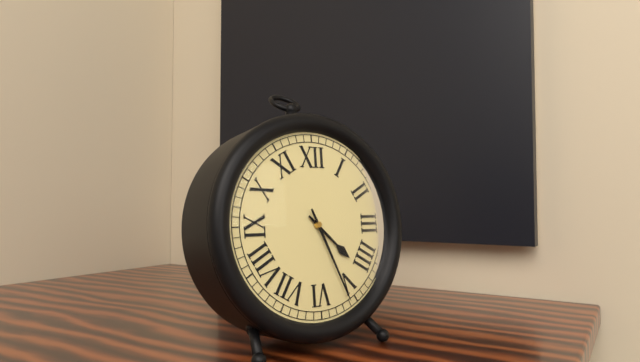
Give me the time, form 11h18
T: 4h26
